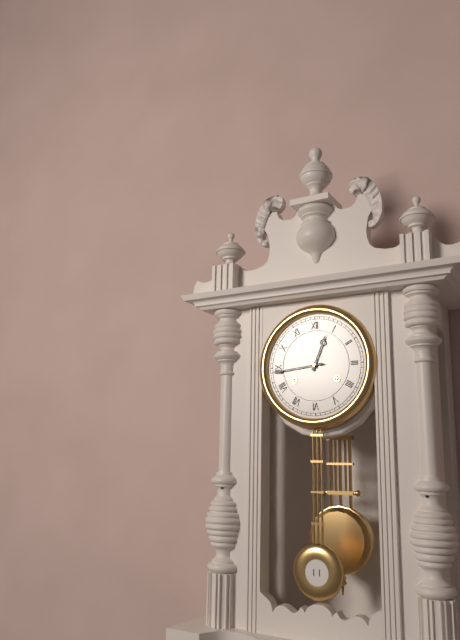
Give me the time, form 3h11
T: 12h44
